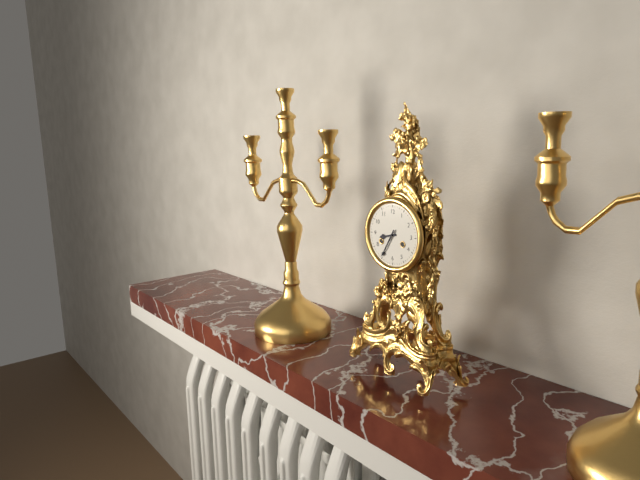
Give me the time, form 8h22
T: 8h35
